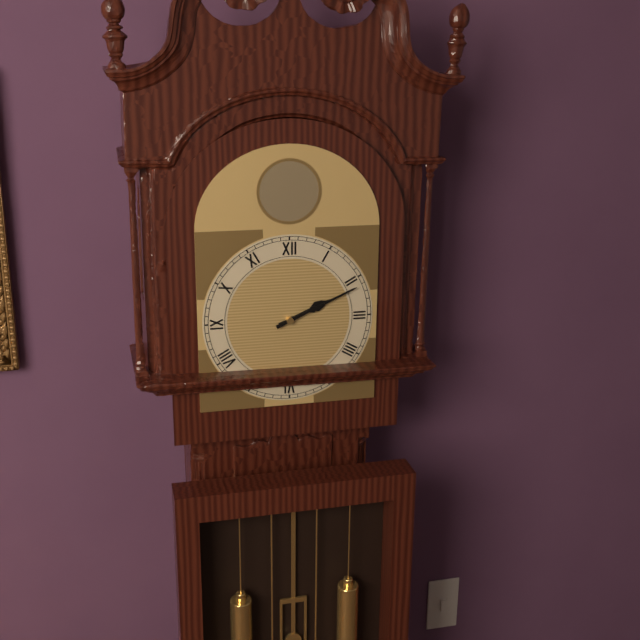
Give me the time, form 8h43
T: 2h11
